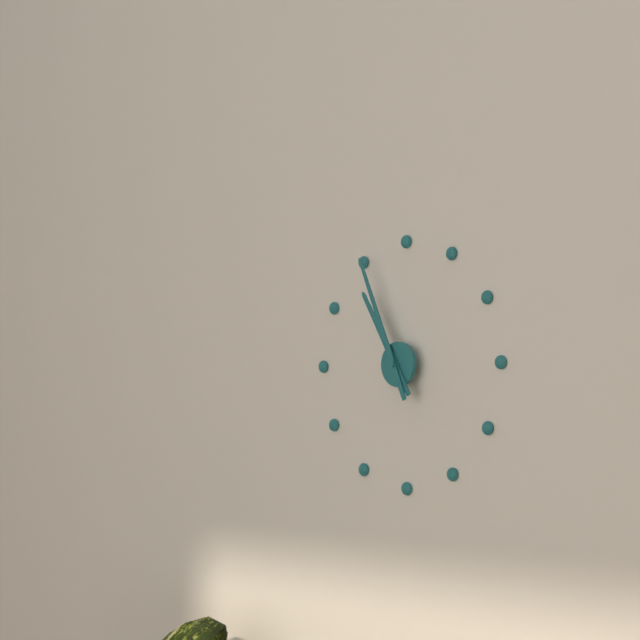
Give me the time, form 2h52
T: 10h56
